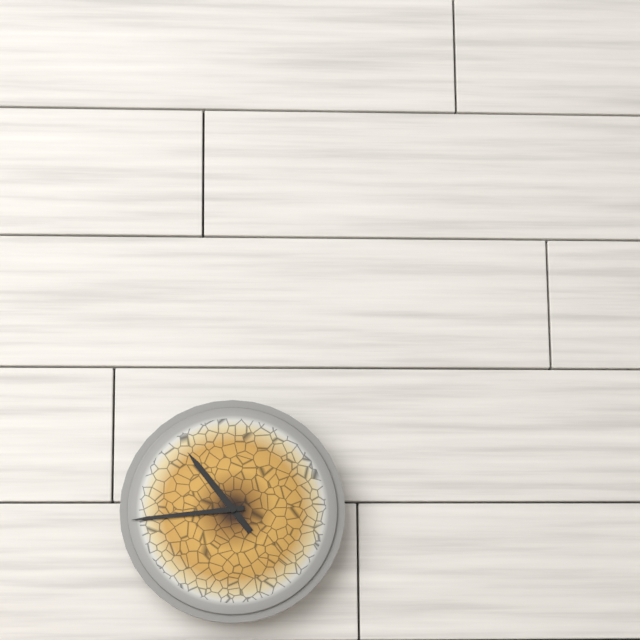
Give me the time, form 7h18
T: 10h44
